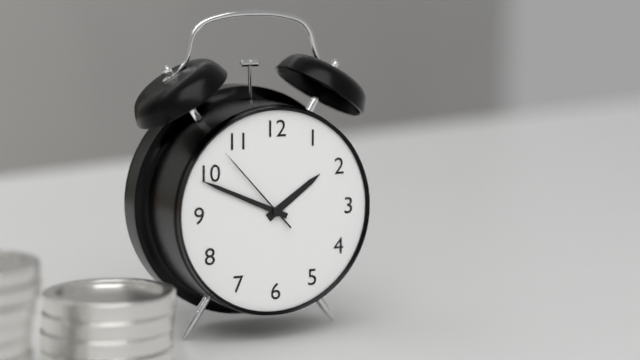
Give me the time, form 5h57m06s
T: 1h49m53s
